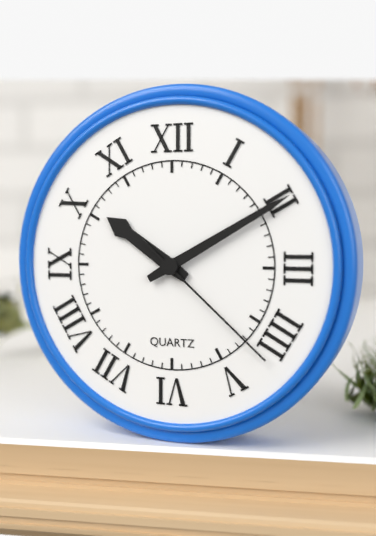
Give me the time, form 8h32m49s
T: 10h10m22s
